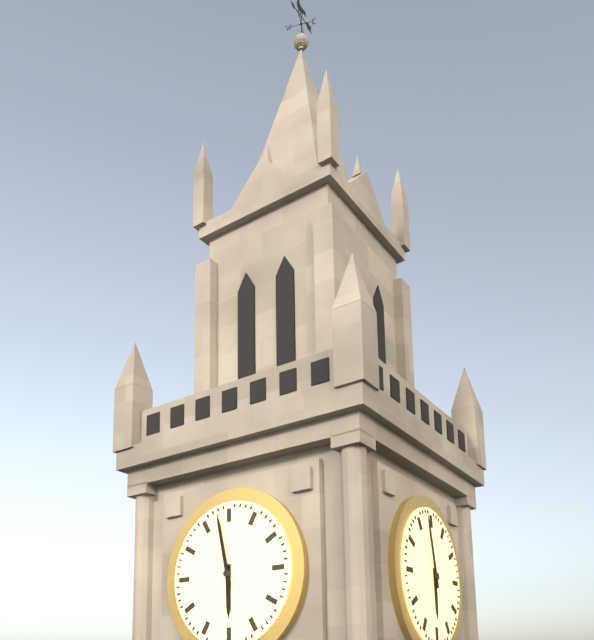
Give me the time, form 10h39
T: 5h58
